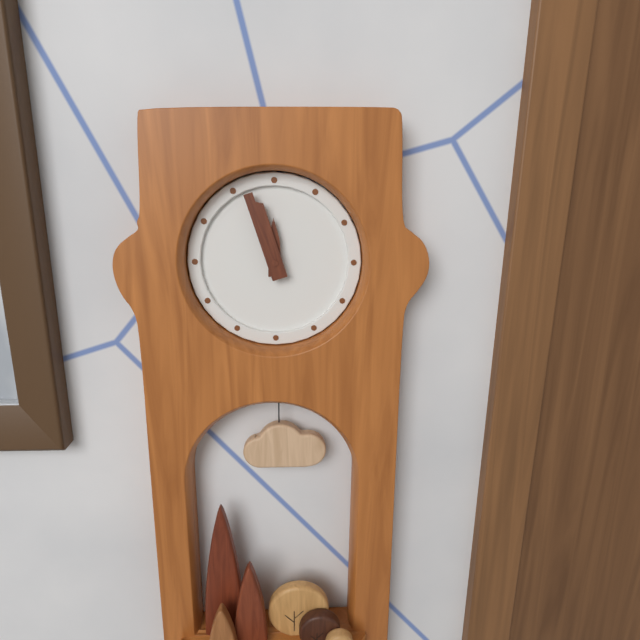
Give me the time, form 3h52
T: 11h57
